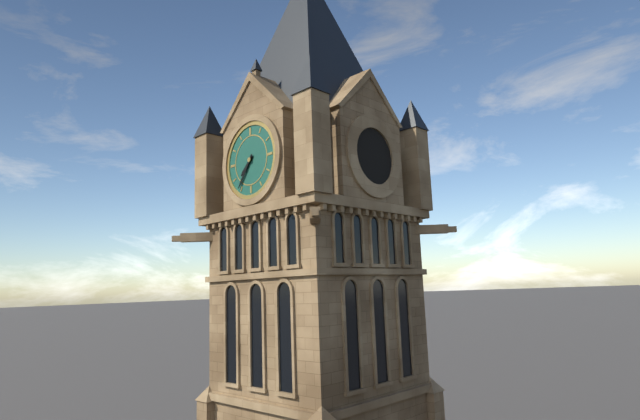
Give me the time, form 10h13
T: 7h36
